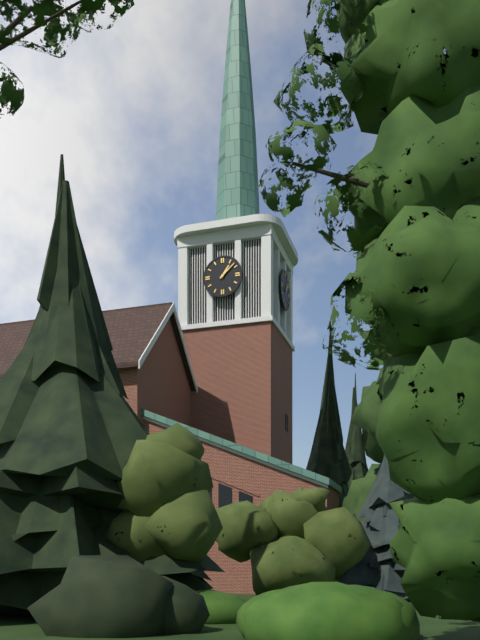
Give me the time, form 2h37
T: 1h08
